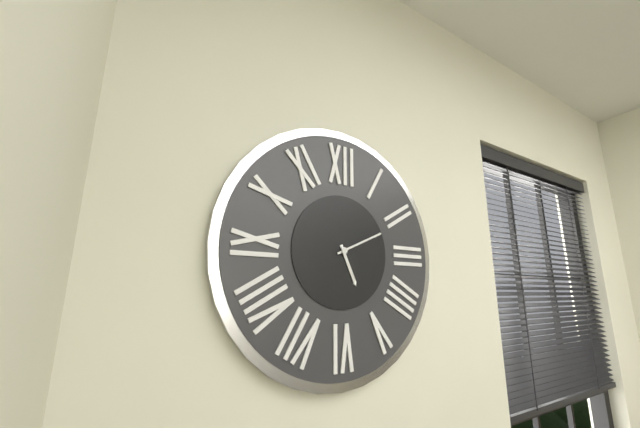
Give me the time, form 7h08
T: 5h11
